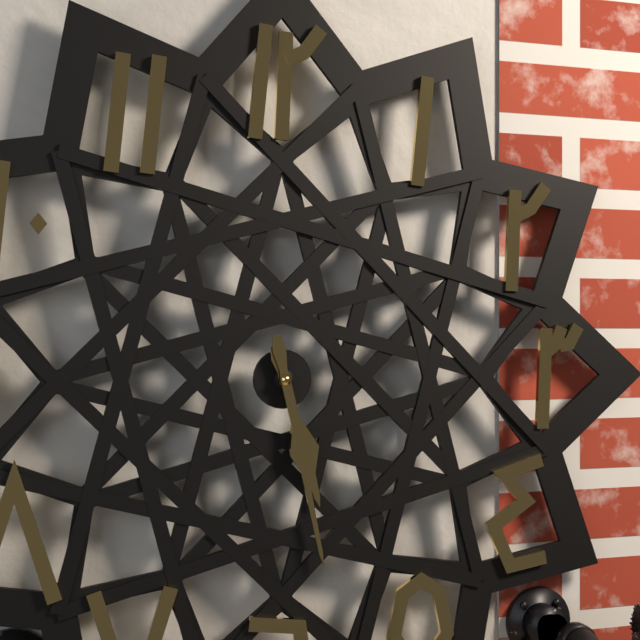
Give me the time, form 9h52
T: 5h28
